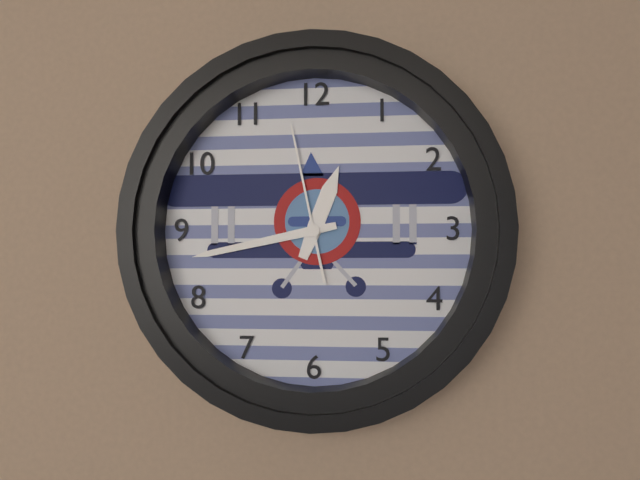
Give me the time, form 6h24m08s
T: 12h43m58s
